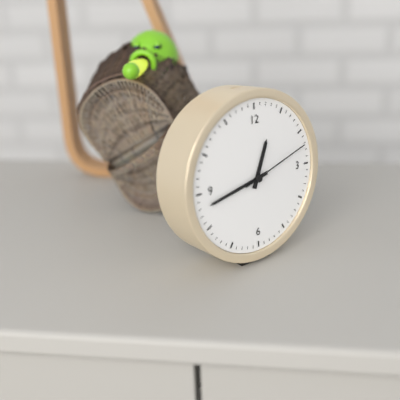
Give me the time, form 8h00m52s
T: 12h43m12s
